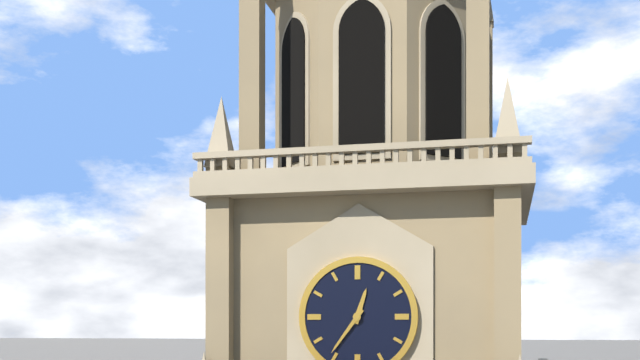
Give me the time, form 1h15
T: 12h36
